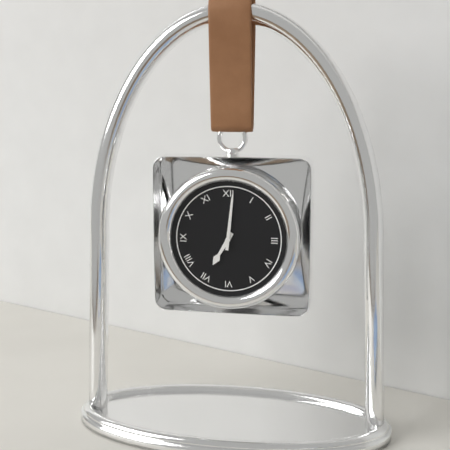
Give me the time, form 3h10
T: 7h01
